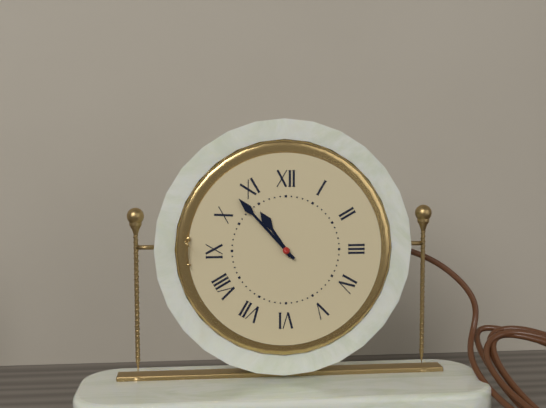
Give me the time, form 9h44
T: 10h53
